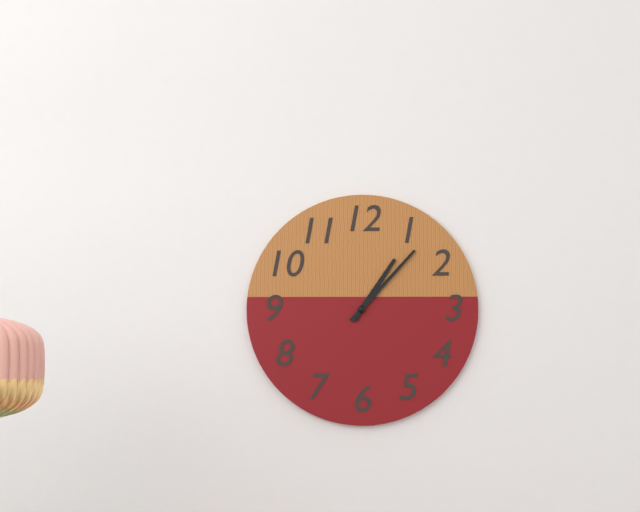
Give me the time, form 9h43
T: 1h07
